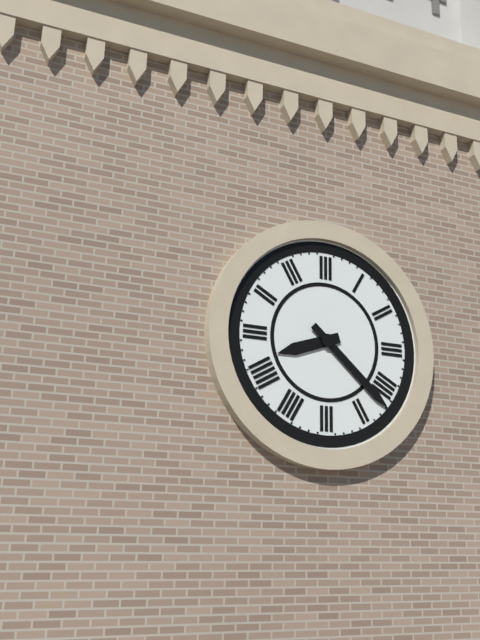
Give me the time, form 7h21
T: 8h22
